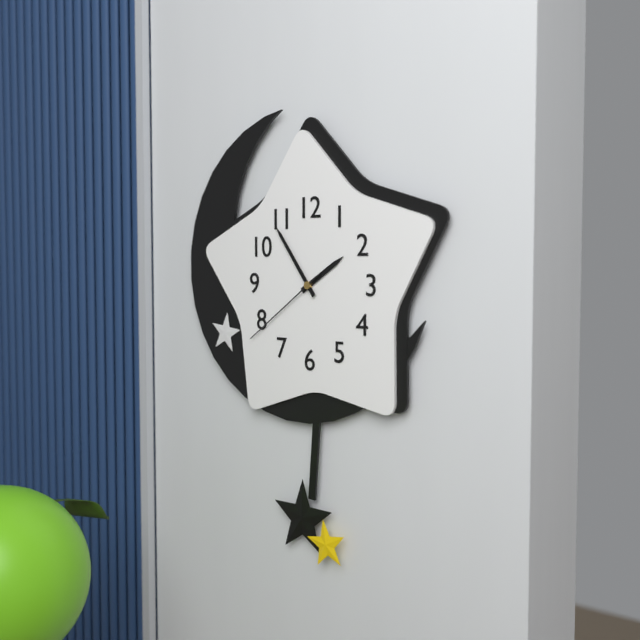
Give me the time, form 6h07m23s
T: 1h54m39s
